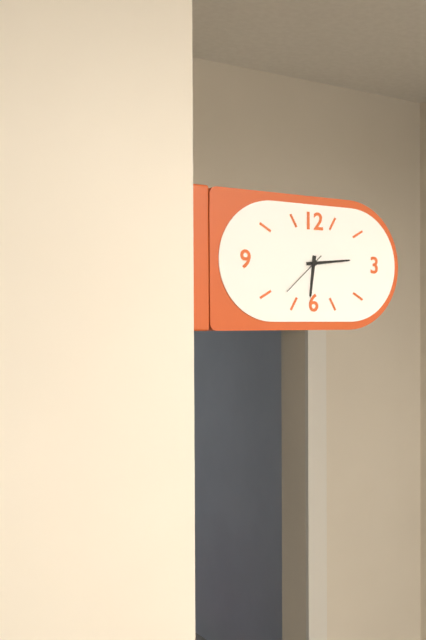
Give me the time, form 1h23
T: 6h14
